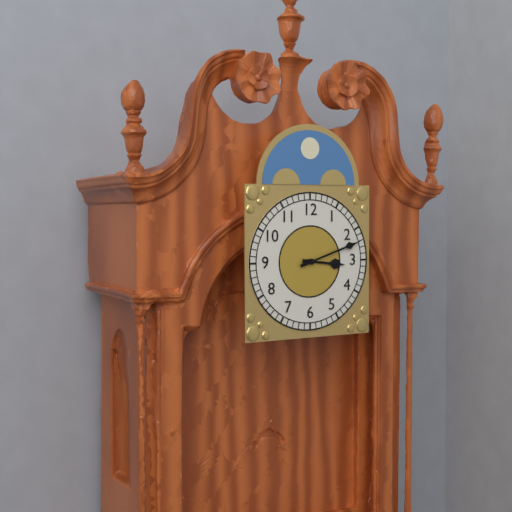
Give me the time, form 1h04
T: 3h12
